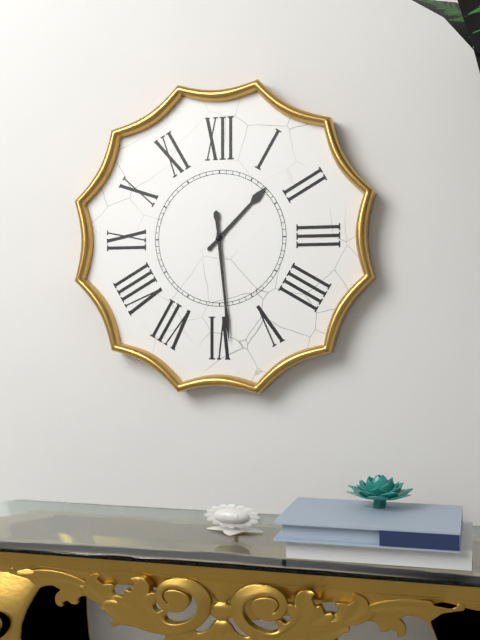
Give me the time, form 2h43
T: 1h29
